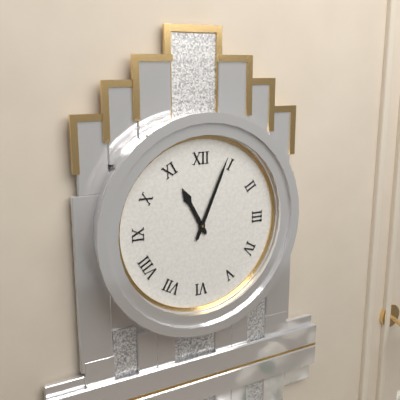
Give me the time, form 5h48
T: 11h04
